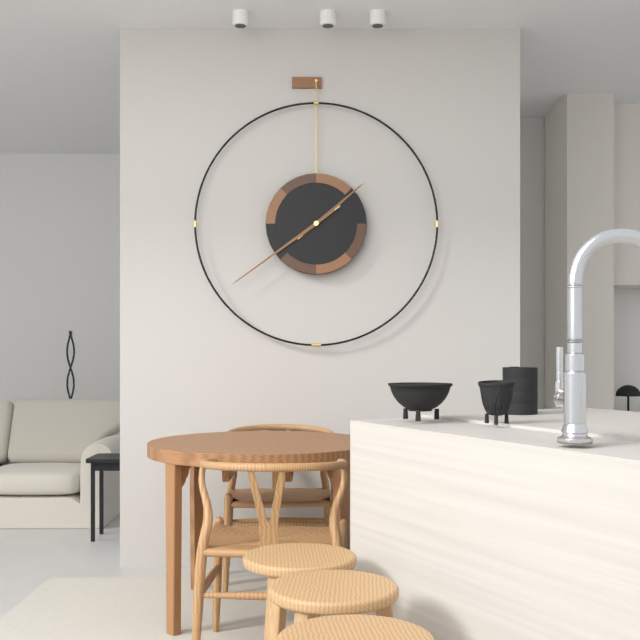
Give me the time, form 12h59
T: 1h39
